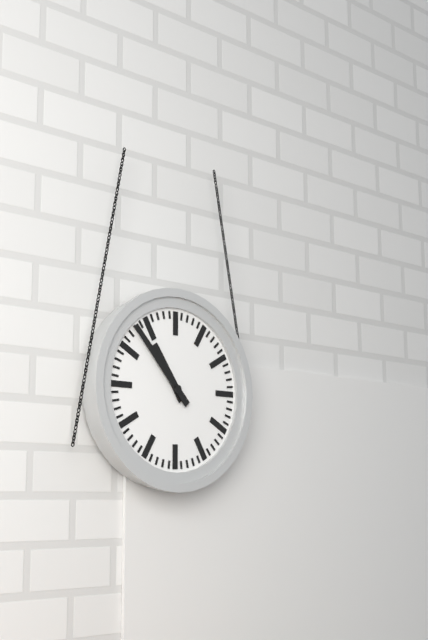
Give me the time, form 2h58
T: 10h53
